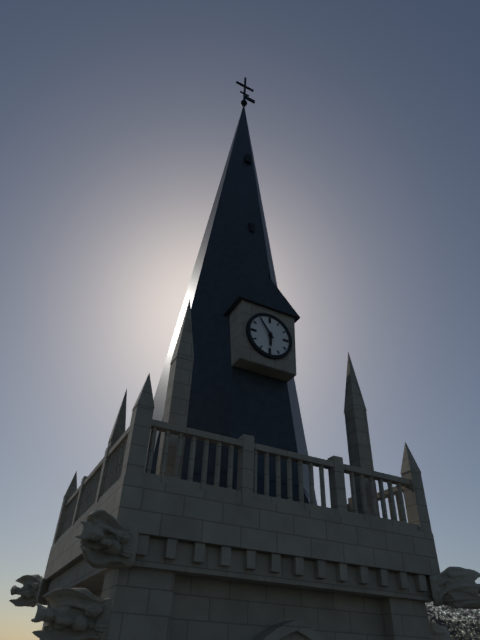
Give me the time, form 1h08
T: 5h54
